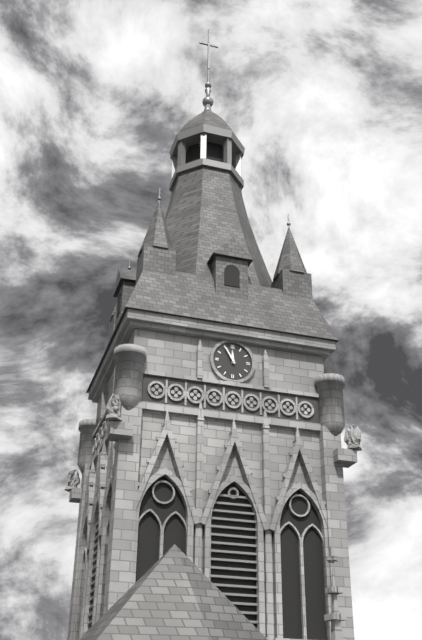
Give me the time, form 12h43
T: 11h55
